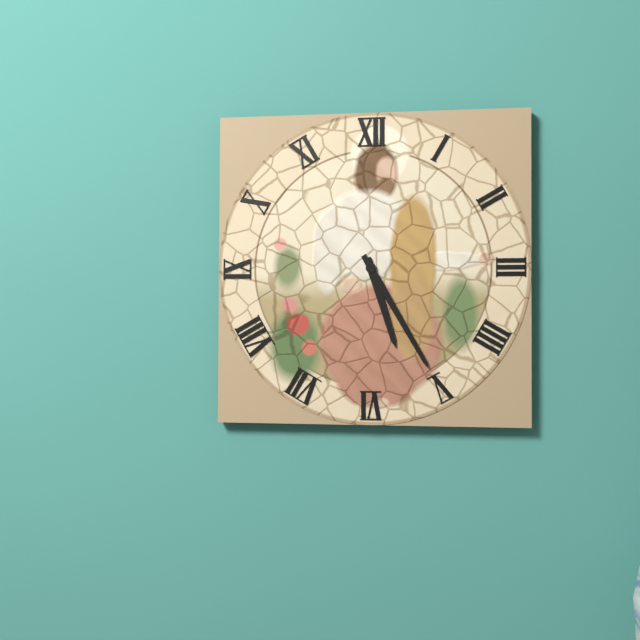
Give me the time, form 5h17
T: 5h25
